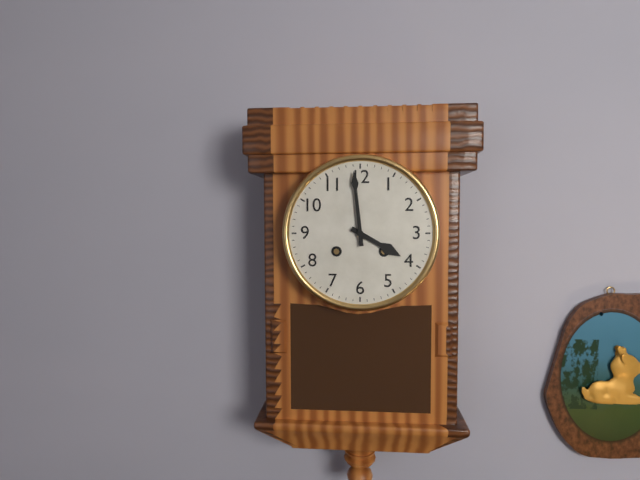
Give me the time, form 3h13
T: 3h59
